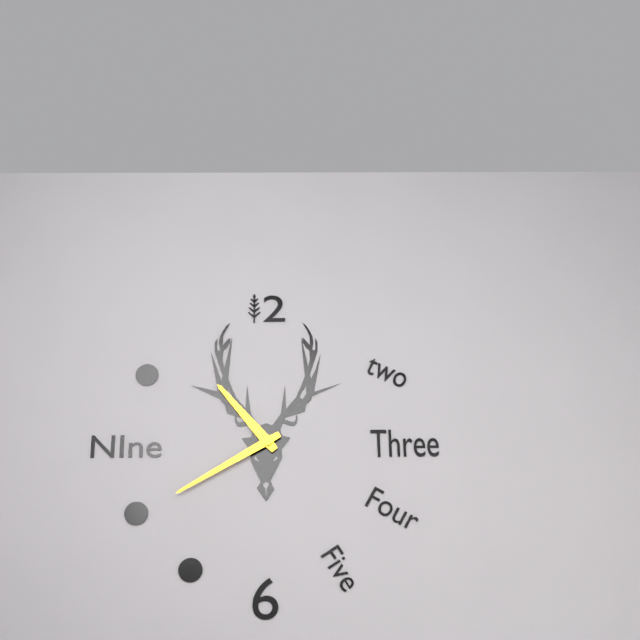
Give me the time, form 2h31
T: 10h40
